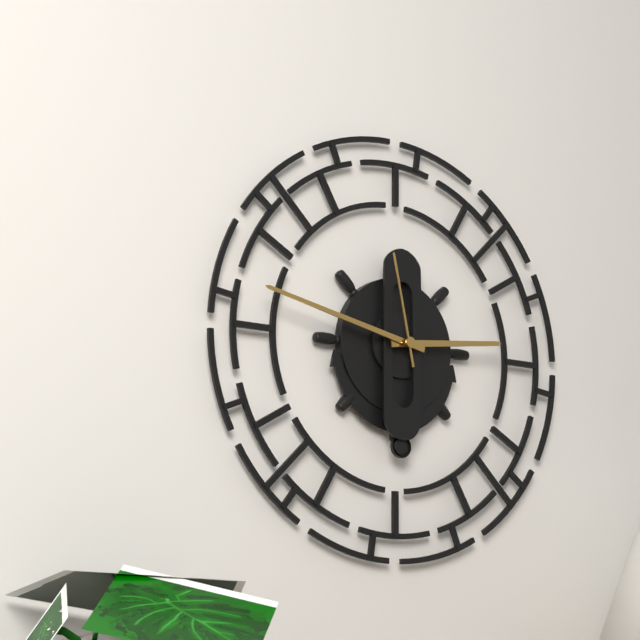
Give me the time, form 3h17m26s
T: 2h47m58s
